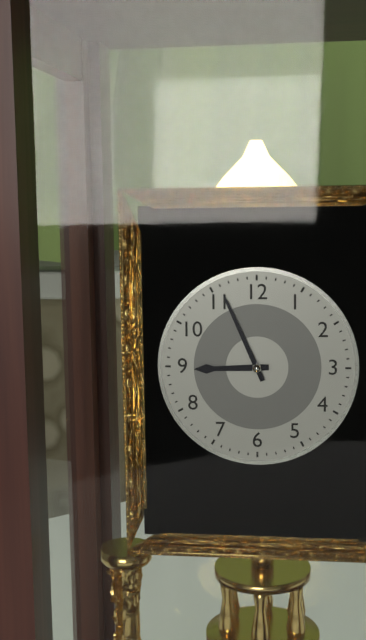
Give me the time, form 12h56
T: 8h56
